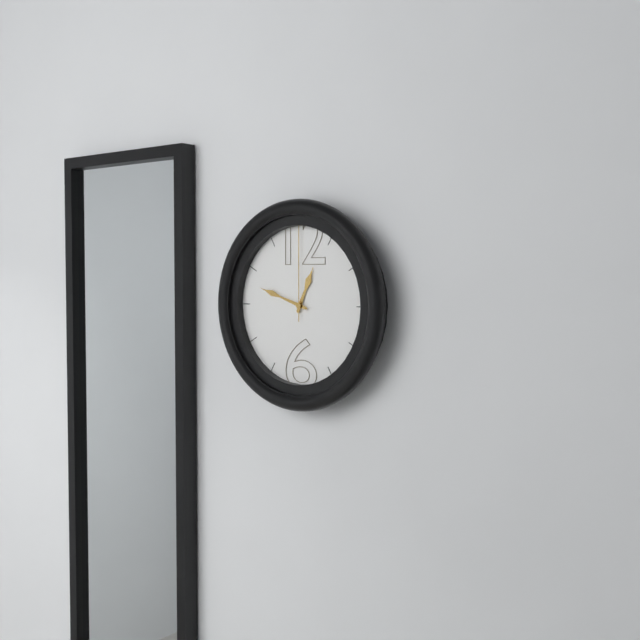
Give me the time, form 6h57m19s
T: 12h48m00s
